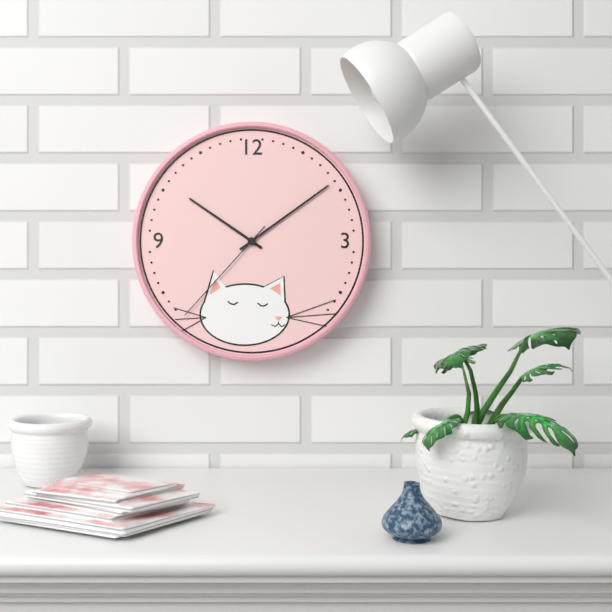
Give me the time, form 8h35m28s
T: 10h09m37s
